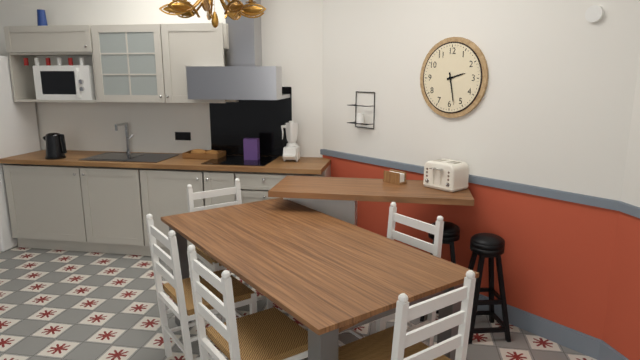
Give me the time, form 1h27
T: 2h28
